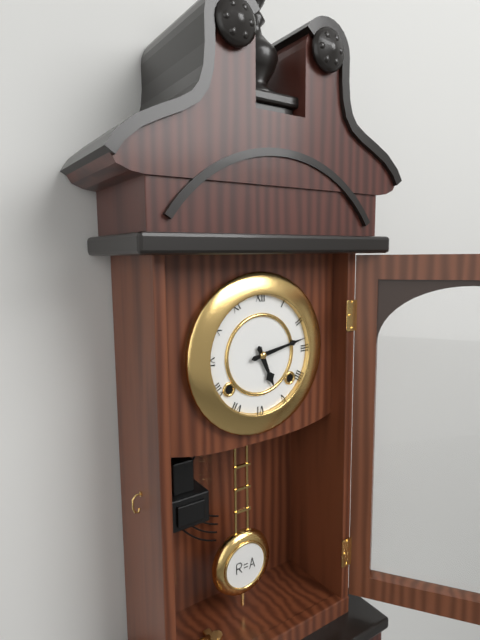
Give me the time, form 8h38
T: 5h13
